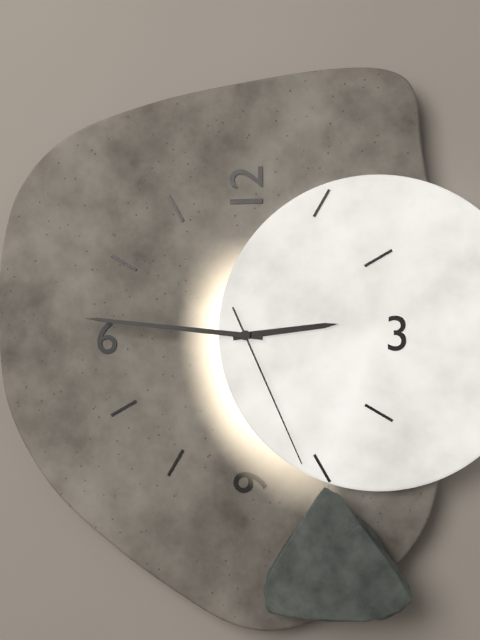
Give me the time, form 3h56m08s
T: 2h46m26s
